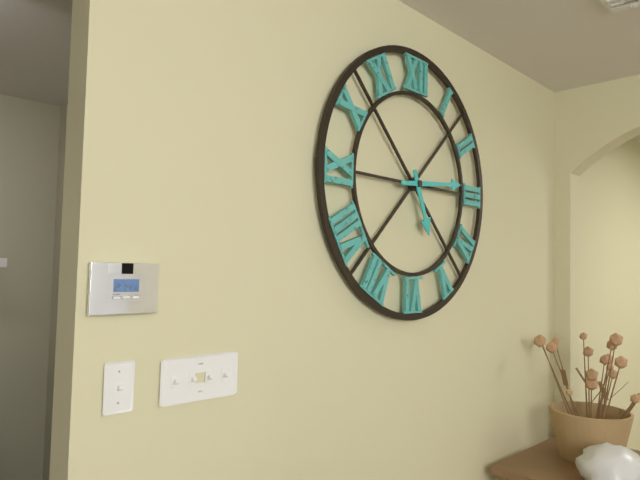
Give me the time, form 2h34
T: 5h14
